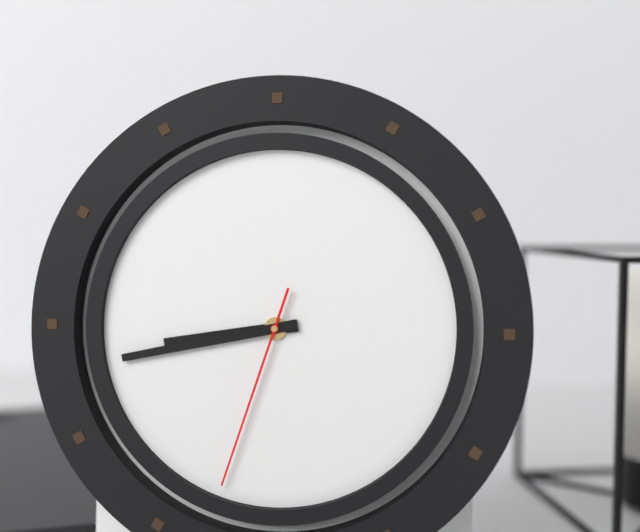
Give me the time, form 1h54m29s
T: 8h43m33s
